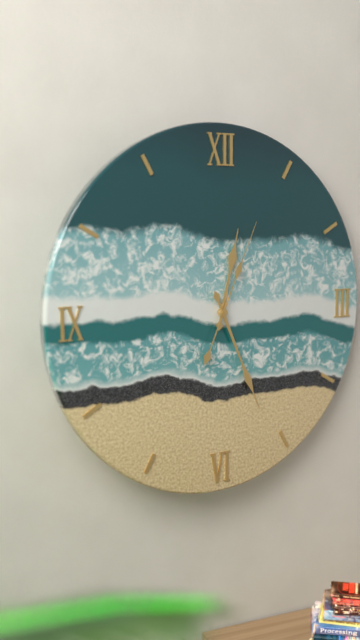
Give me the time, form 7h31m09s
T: 12h26m04s
